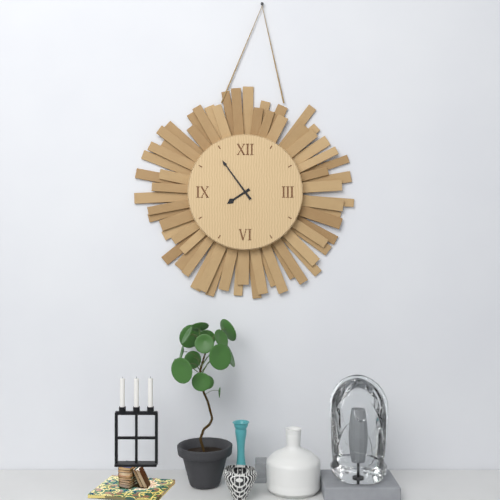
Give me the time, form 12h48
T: 7h54
